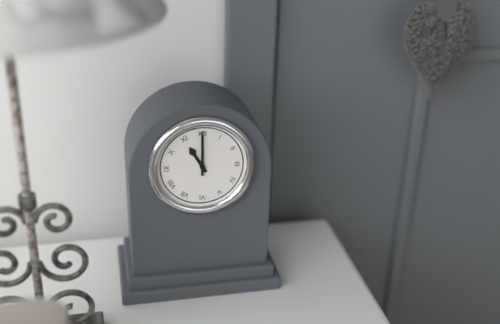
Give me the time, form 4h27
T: 11h00
